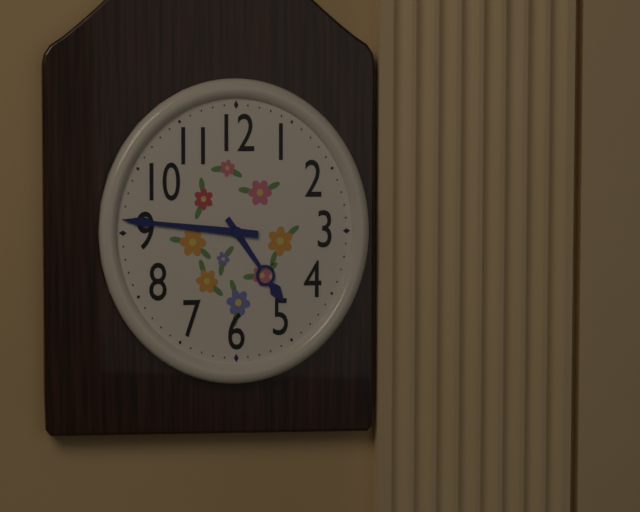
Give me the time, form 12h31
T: 4h46
